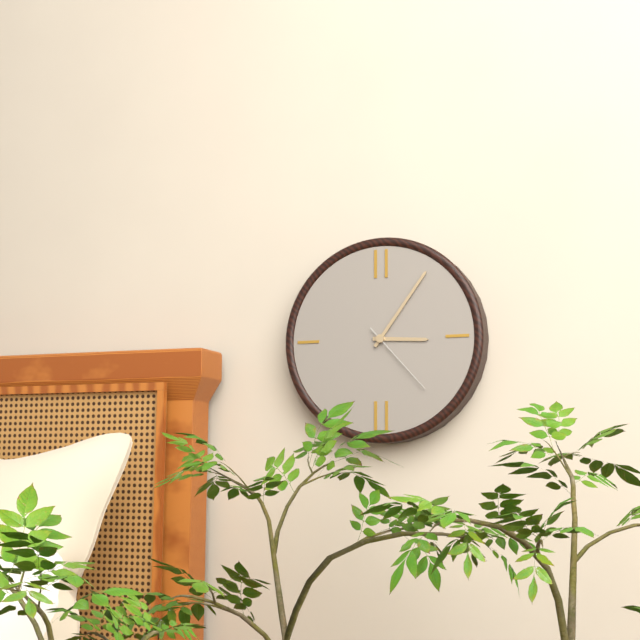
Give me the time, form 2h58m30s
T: 3h06m23s
